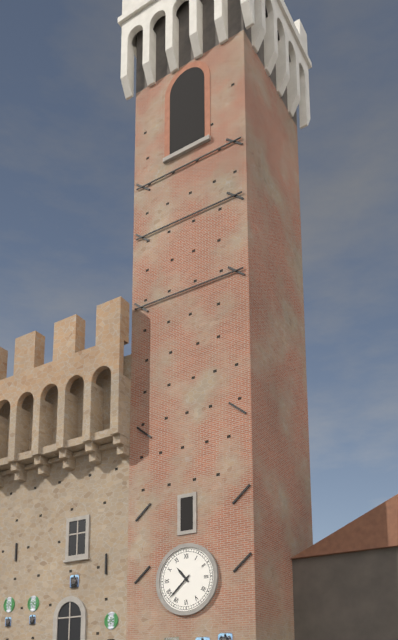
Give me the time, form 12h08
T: 10h38
